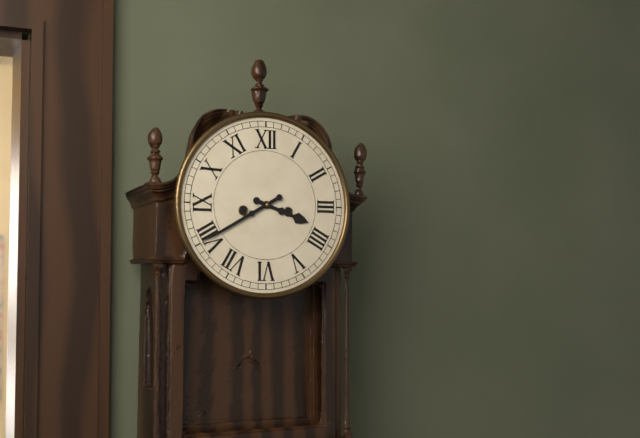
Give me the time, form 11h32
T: 3h40
